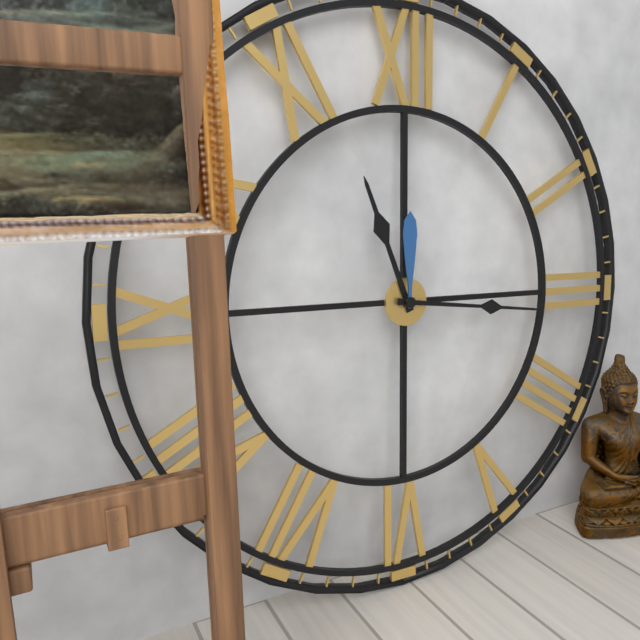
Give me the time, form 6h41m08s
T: 11h16m00s
